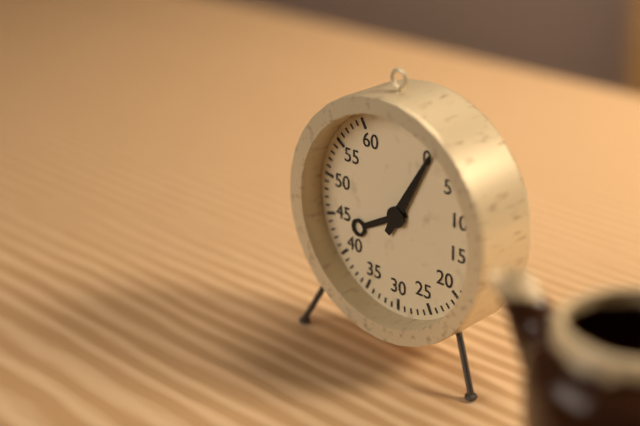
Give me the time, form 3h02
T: 8h05
